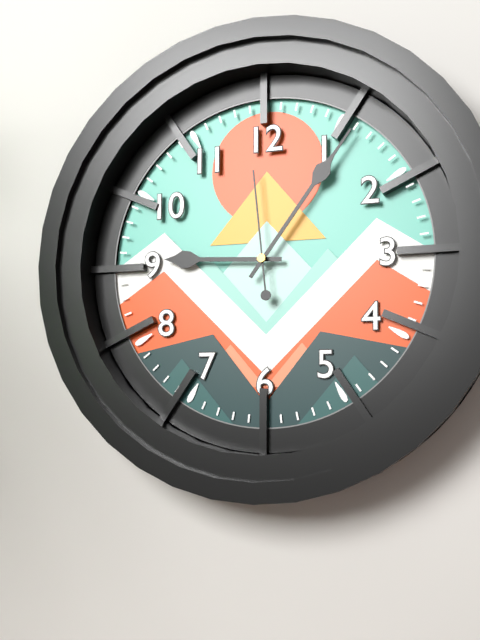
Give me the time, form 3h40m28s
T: 9h06m59s
